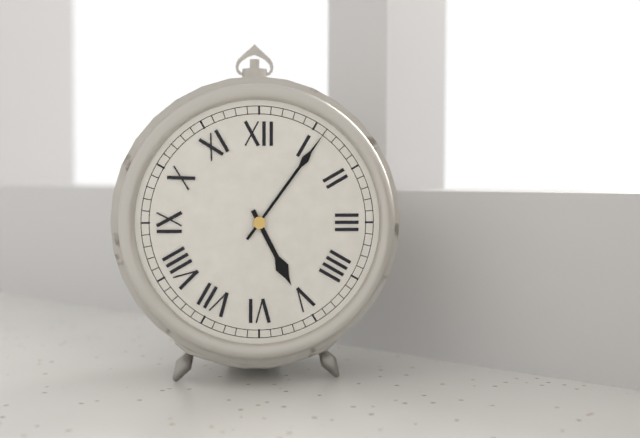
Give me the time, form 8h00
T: 5h06
